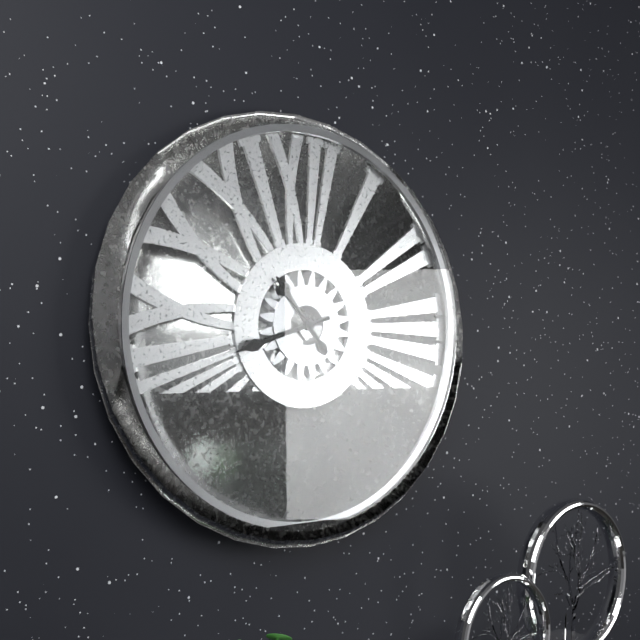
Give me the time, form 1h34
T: 10h42
